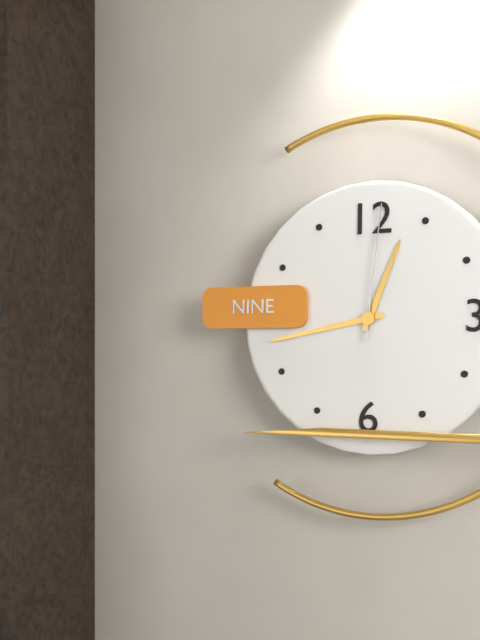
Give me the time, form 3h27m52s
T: 12h43m01s
